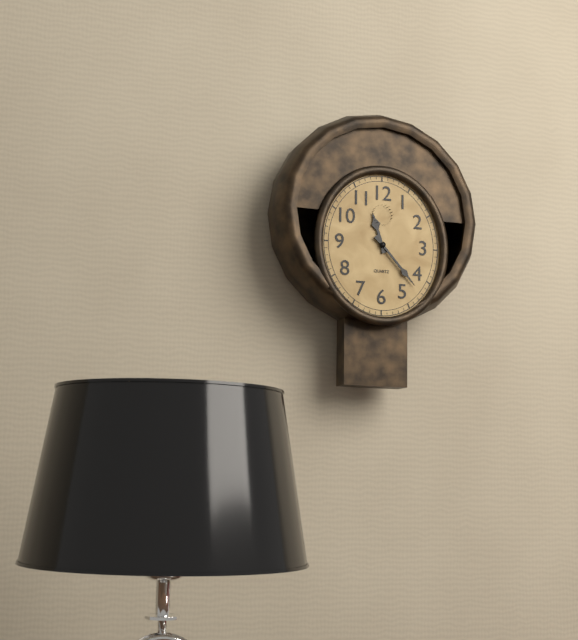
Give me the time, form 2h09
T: 11h23
